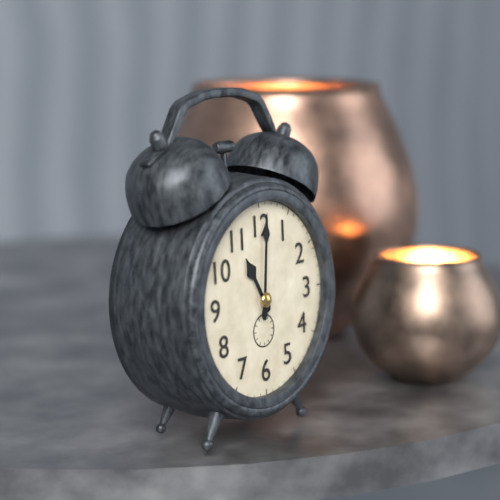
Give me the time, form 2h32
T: 11h01
